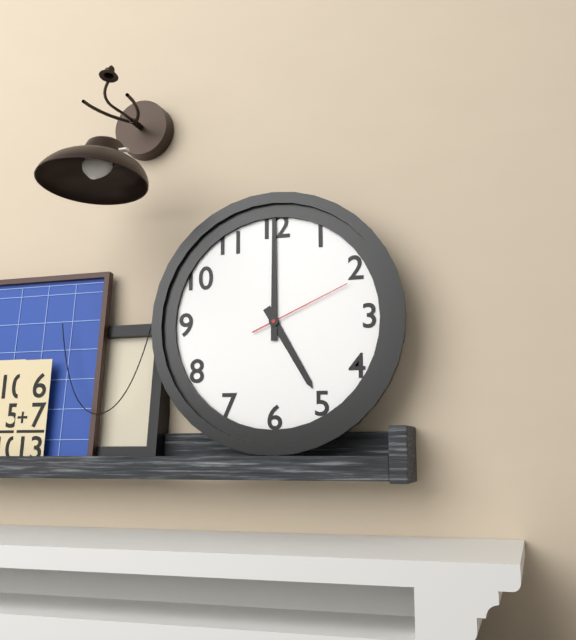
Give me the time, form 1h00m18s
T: 5h00m11s
